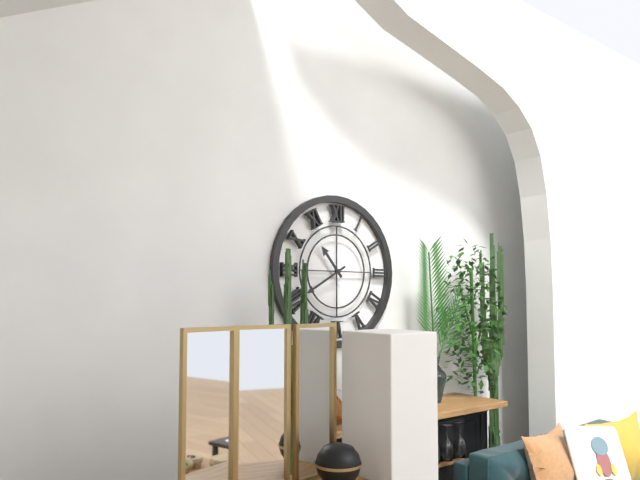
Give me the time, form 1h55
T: 10h40
